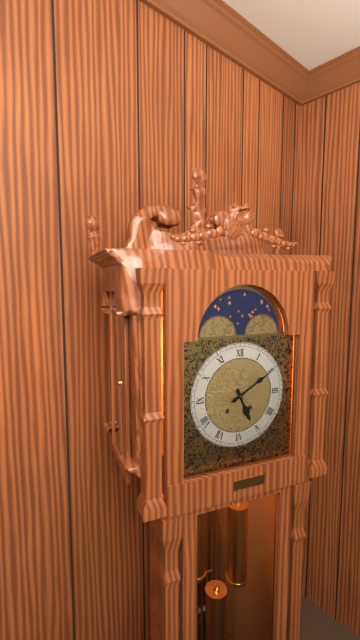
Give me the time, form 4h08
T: 5h10
